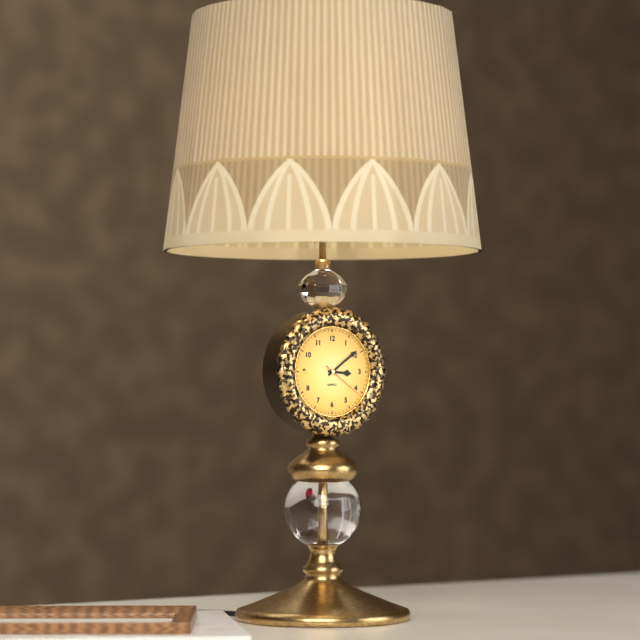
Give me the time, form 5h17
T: 3h09
